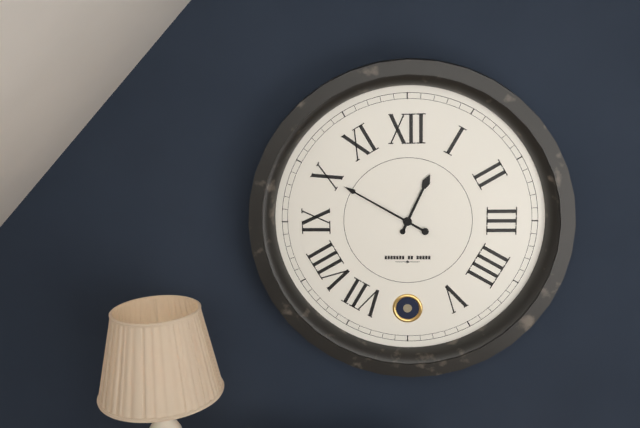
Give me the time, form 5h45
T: 12h50
